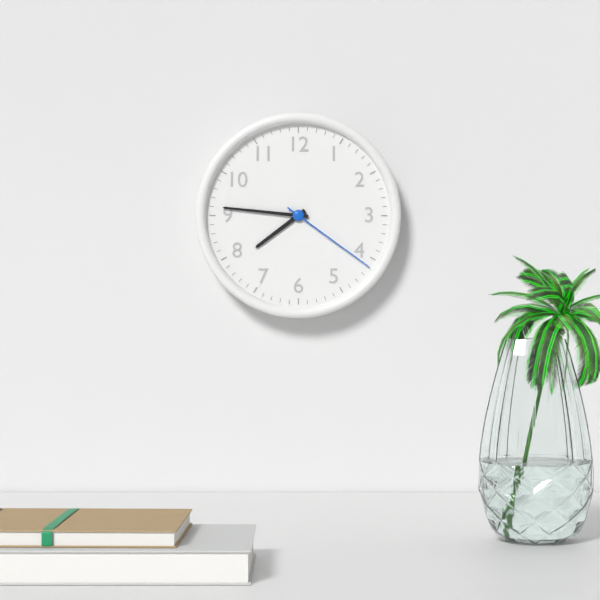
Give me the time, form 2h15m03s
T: 7h46m21s
